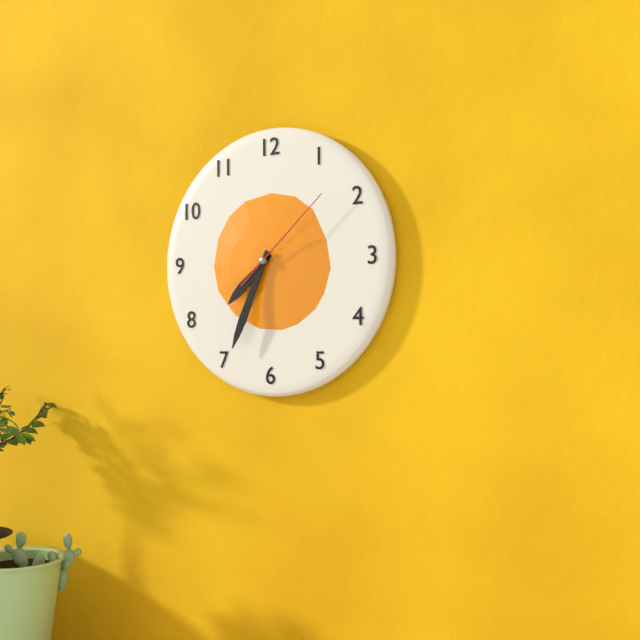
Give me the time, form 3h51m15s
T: 7h34m08s
